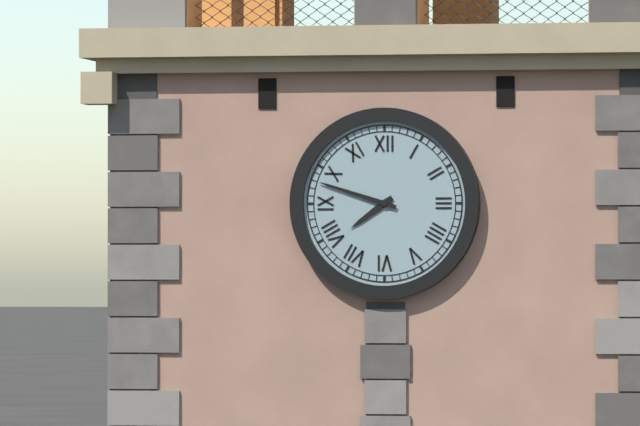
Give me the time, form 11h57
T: 7h48
